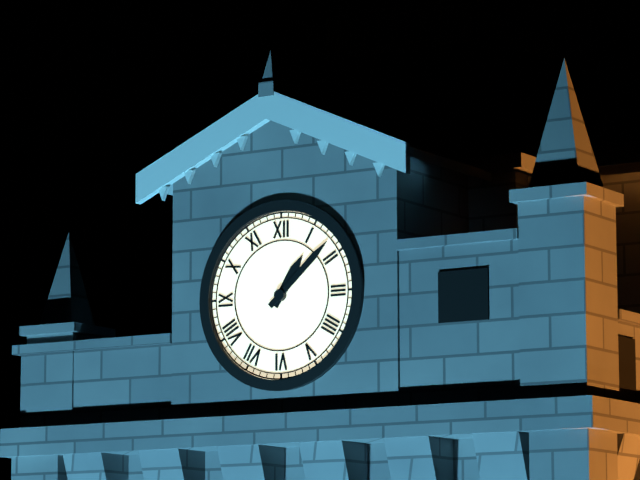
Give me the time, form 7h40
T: 1h08
